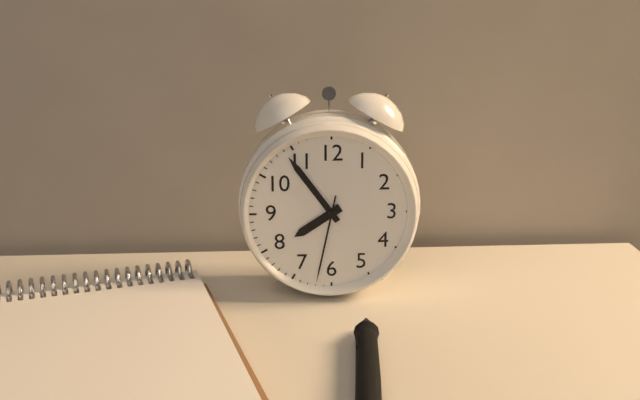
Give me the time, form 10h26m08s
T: 7h54m32s
